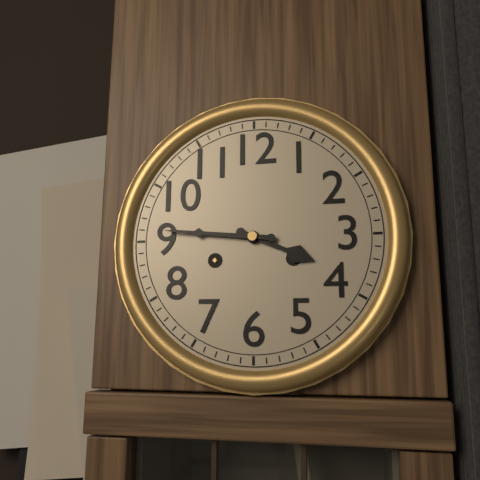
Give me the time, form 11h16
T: 3h46
